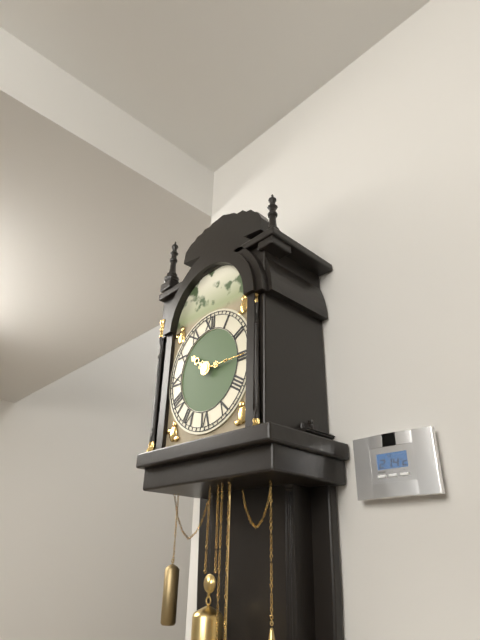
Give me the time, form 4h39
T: 10h15
